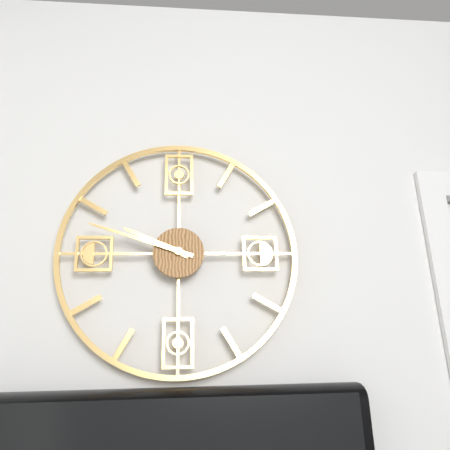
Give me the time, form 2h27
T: 9h48
